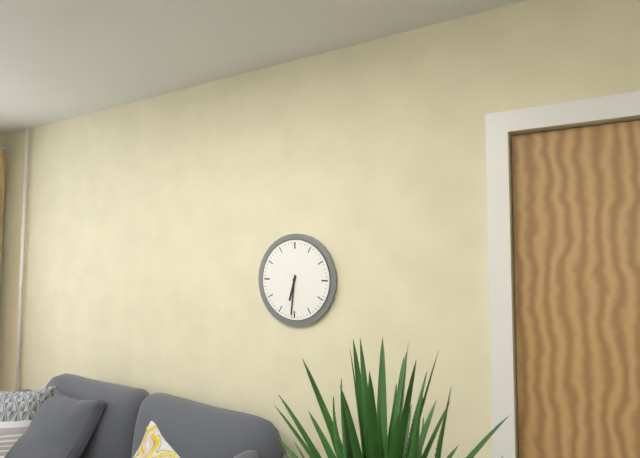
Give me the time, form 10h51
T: 6h31
